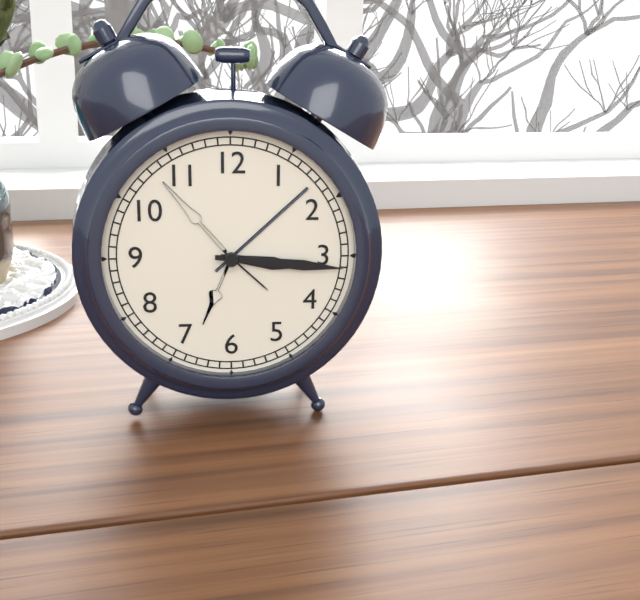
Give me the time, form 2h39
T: 3h16
